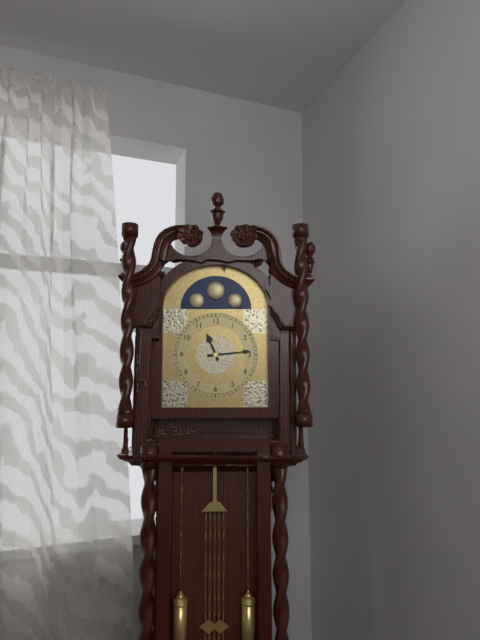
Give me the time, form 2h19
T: 11h14
